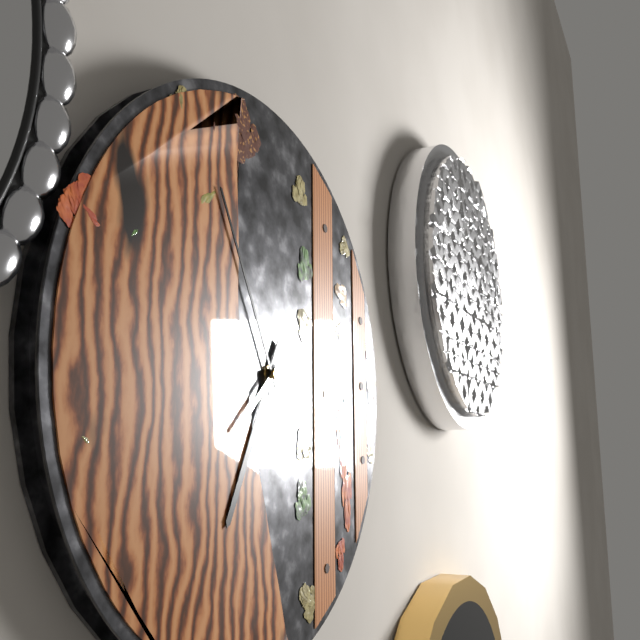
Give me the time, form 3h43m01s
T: 6h55m38s
